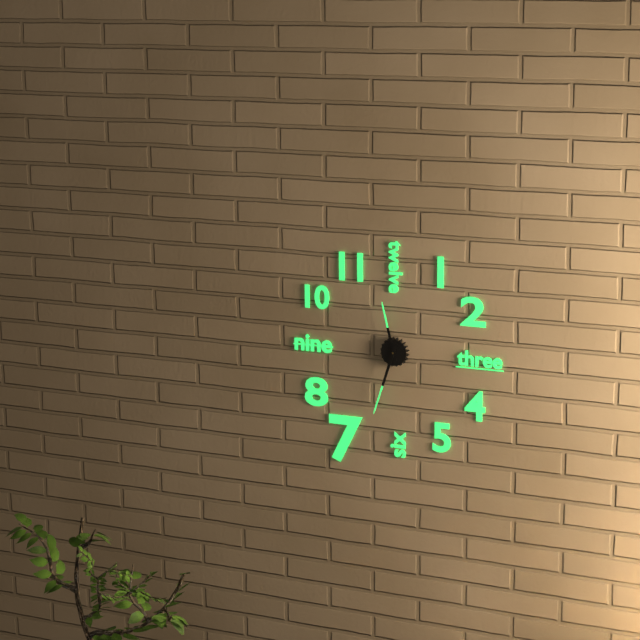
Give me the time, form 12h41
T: 11h33
